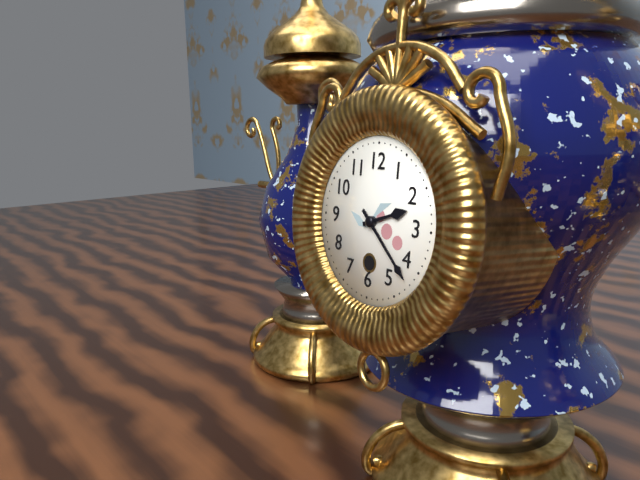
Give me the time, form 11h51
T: 2h22
